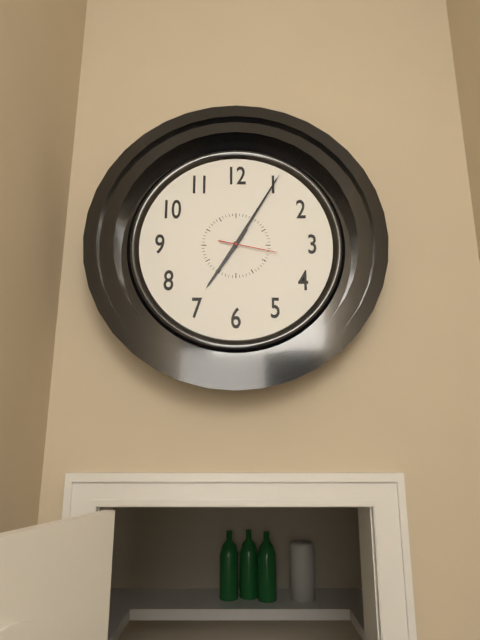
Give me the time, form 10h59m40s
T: 7h05m17s
